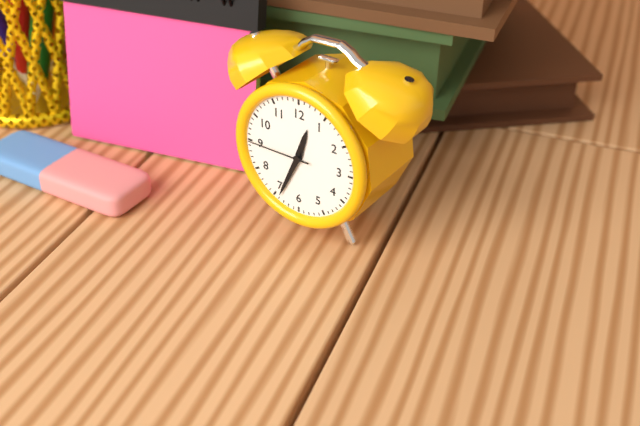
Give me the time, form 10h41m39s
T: 12h34m45s
